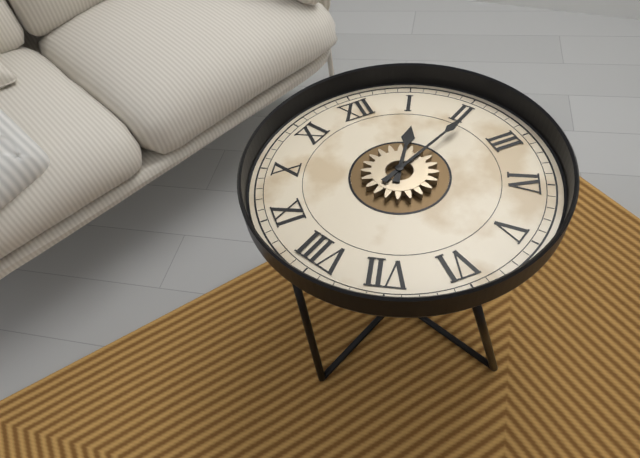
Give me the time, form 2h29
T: 1h11
